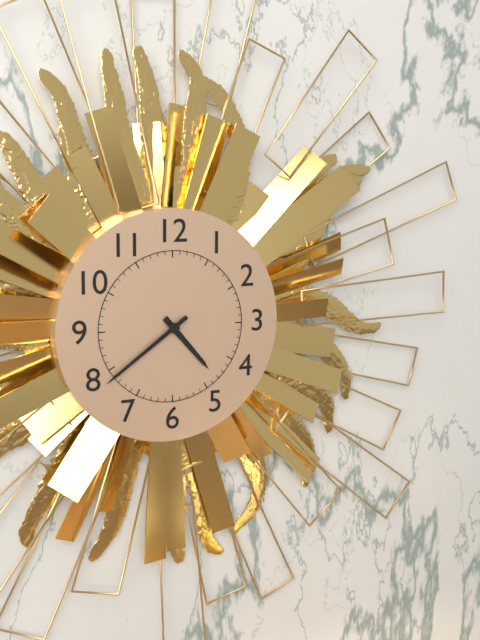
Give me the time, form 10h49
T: 4h39
